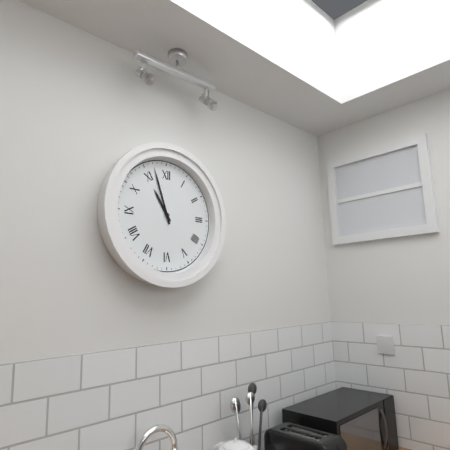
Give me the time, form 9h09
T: 10h57
